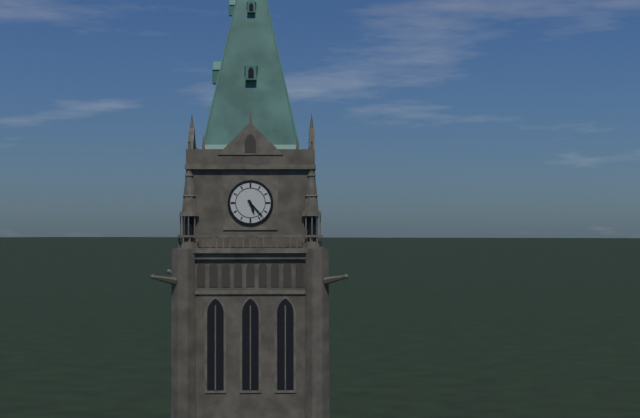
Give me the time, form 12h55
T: 5h23
